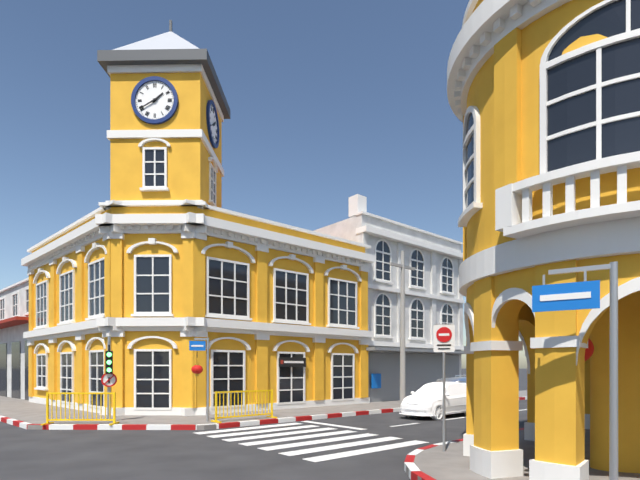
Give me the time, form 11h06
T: 1h40
